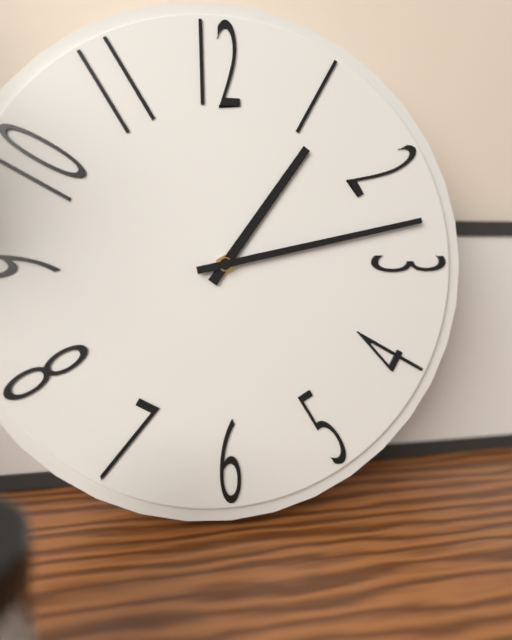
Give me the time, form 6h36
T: 1h13
